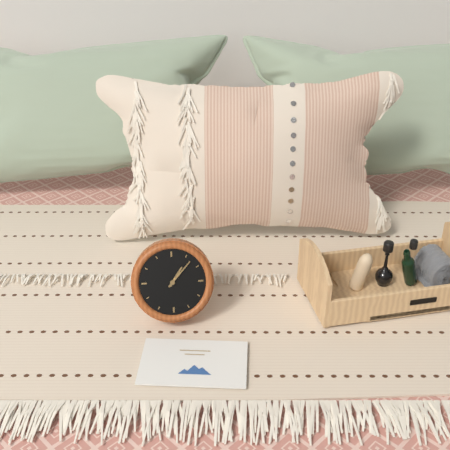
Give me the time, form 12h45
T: 1h07
